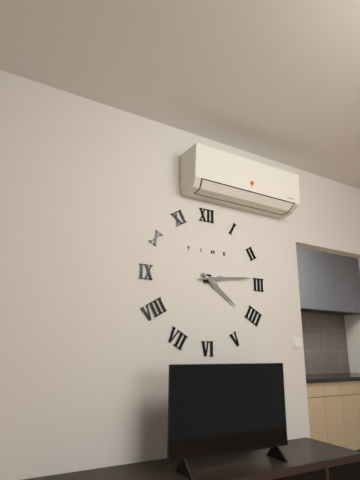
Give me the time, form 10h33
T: 4h14
